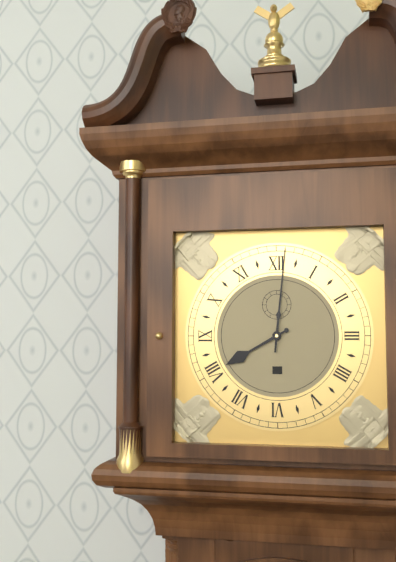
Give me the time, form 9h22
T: 8h01
